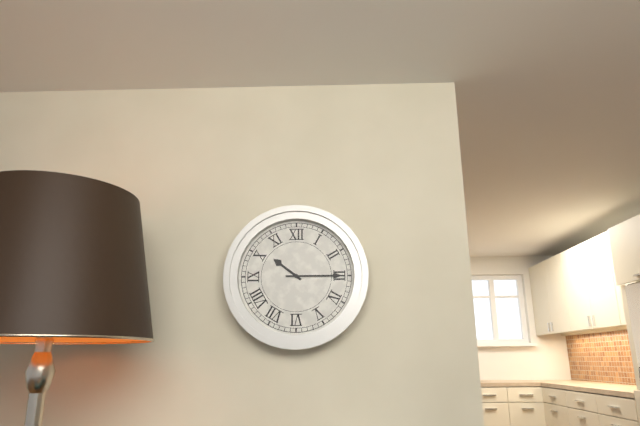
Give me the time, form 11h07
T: 10h15
